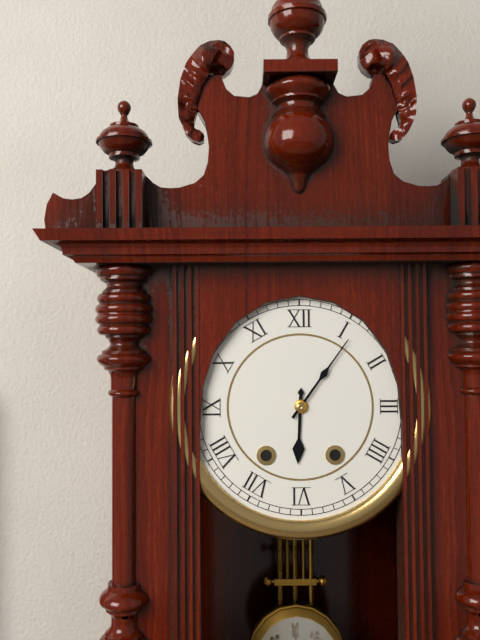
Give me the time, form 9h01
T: 6h06
